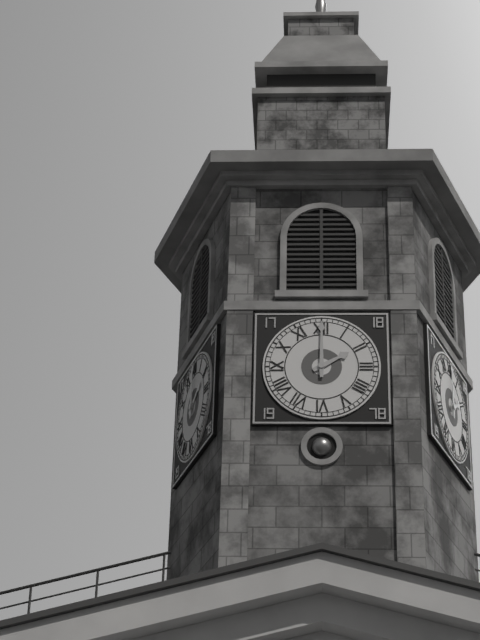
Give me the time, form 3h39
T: 2h00
